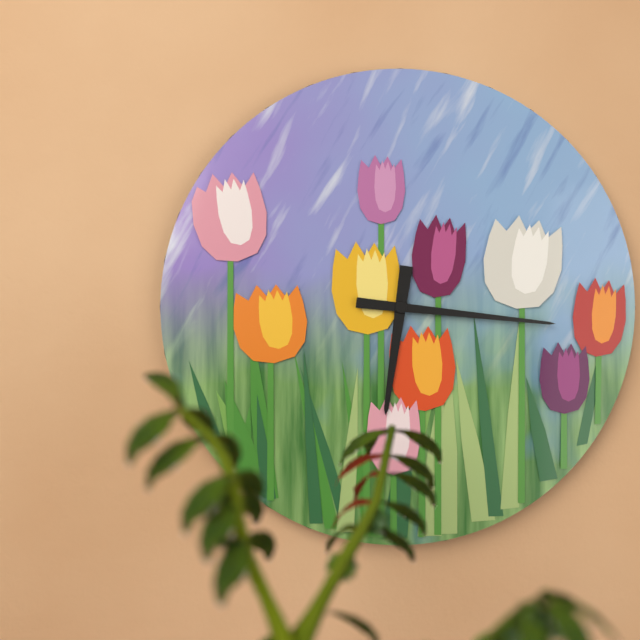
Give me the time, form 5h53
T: 6h16
